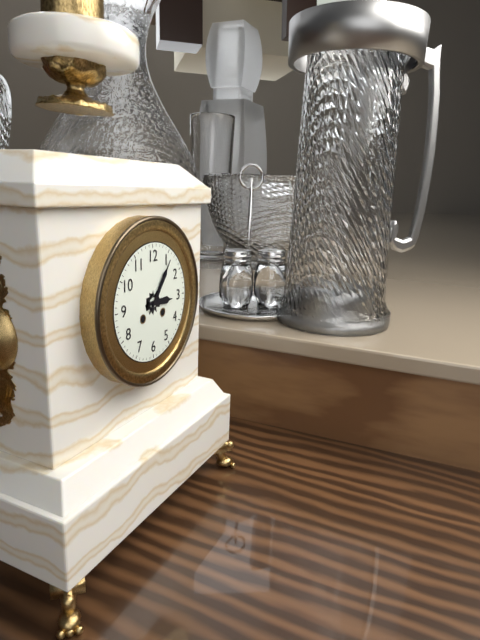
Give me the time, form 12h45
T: 3h06
